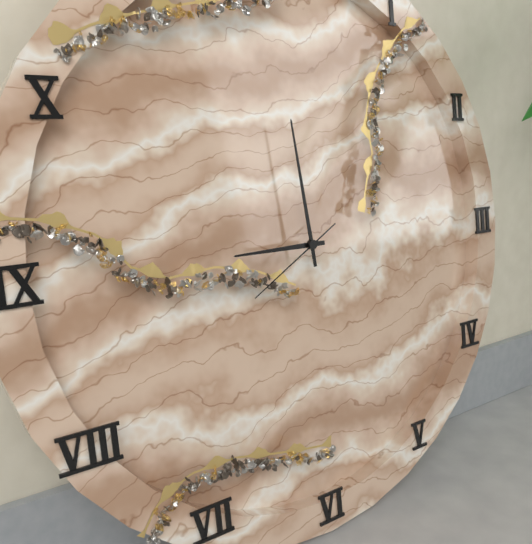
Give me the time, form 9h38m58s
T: 8h59m40s
